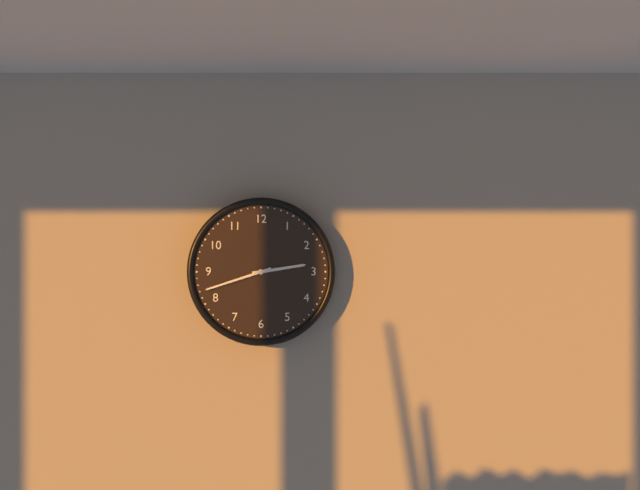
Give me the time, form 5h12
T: 2h42
